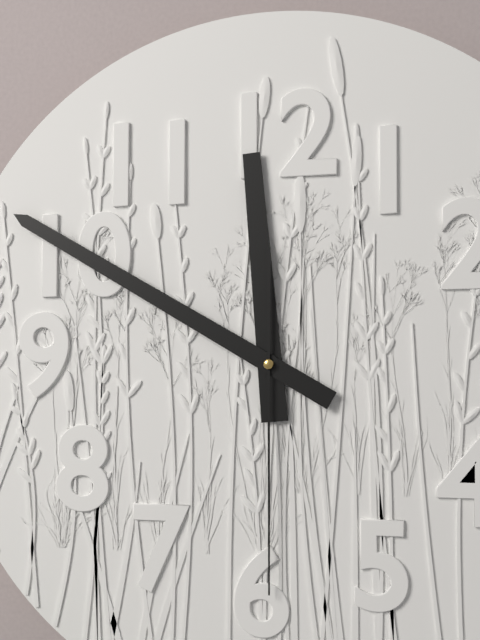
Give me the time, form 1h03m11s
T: 11h50m30s
